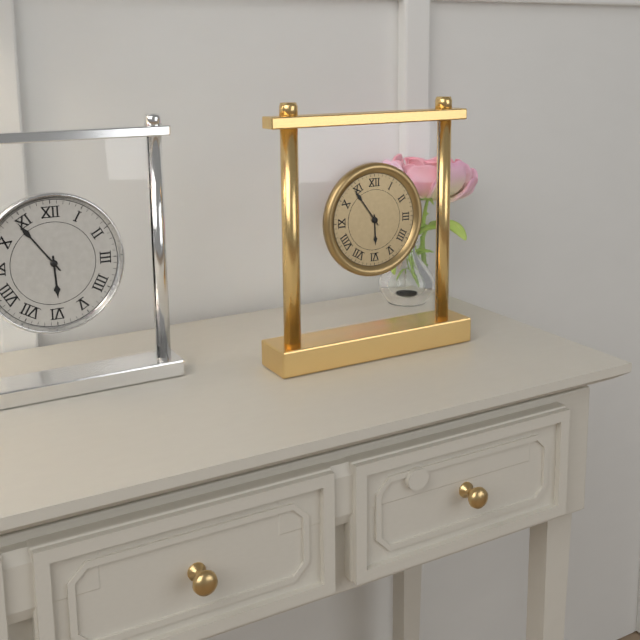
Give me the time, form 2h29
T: 5h54
